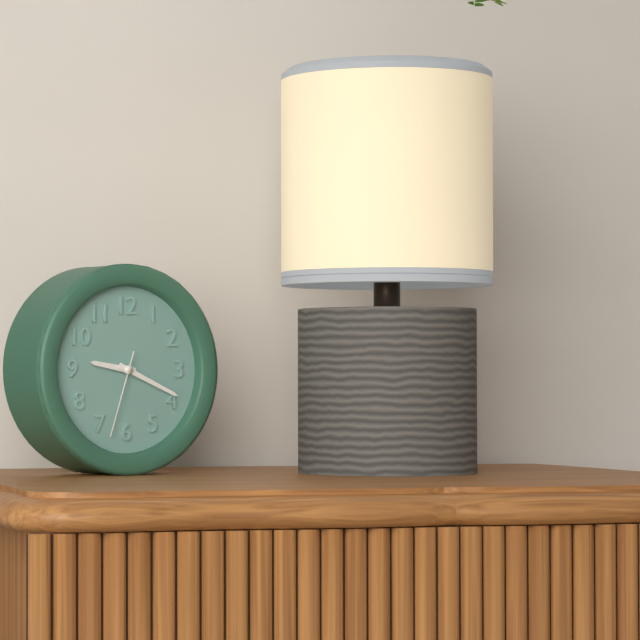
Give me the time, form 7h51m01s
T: 9h19m33s
